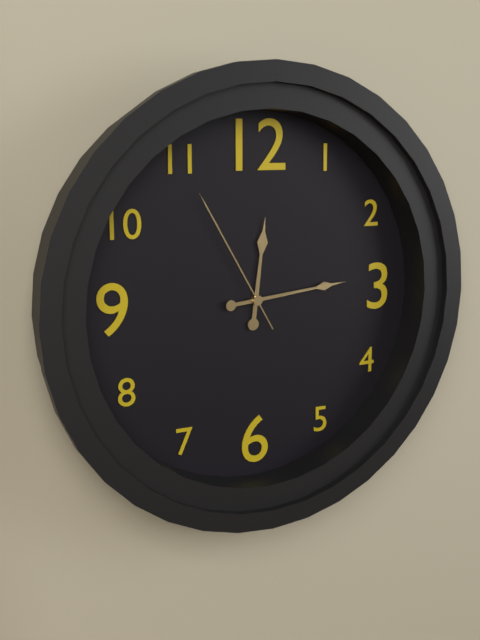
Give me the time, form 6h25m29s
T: 12h14m55s
